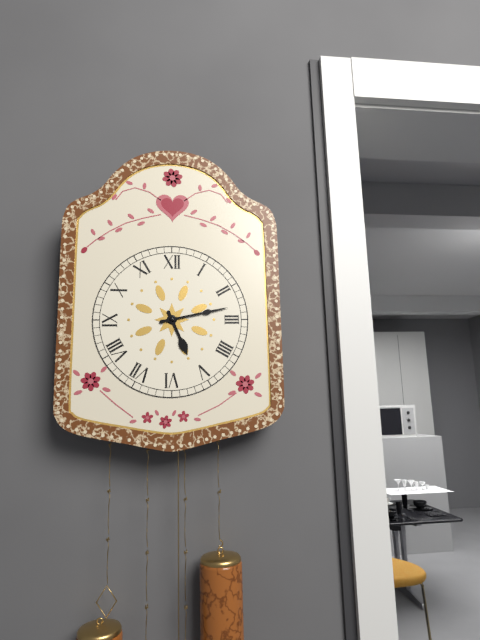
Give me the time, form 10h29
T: 5h13
